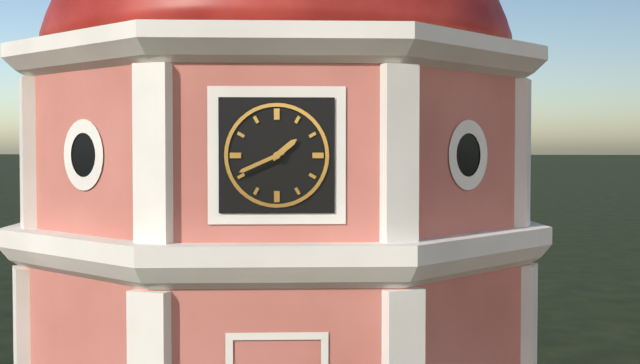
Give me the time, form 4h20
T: 1h41
